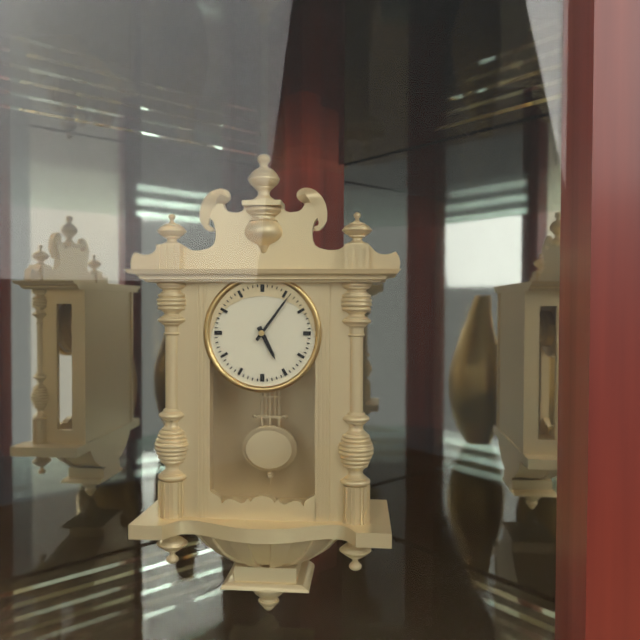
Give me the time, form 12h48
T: 5h06
